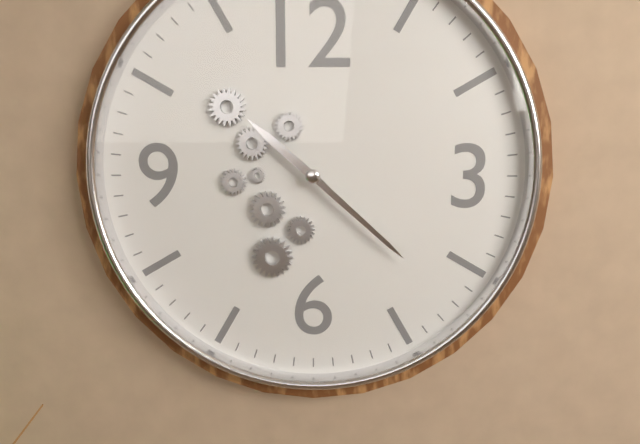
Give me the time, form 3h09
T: 10h22
